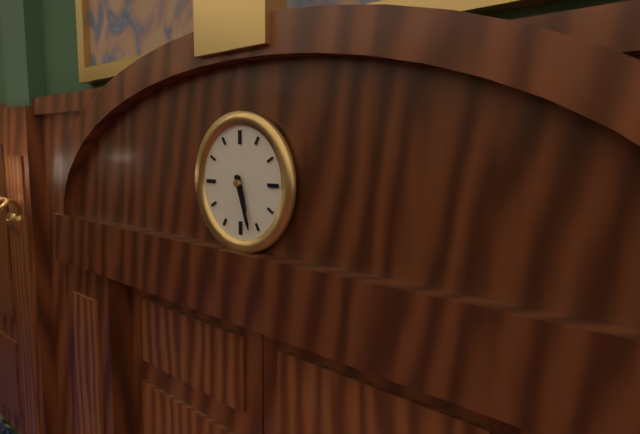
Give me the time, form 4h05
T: 5h27
